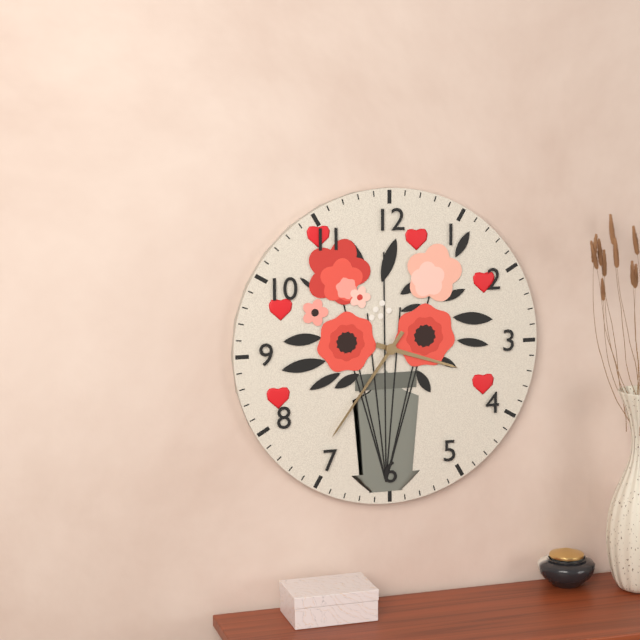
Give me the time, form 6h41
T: 3h36
